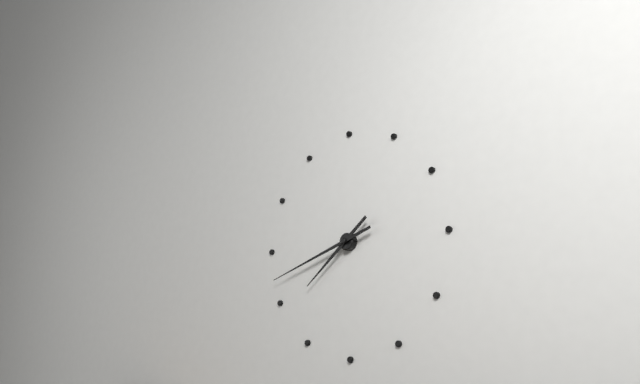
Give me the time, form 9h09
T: 7h42
